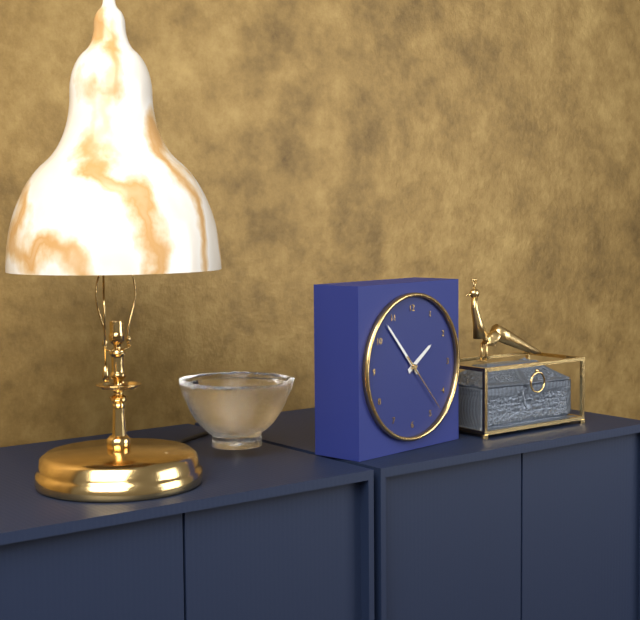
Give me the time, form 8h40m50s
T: 1h53m23s
